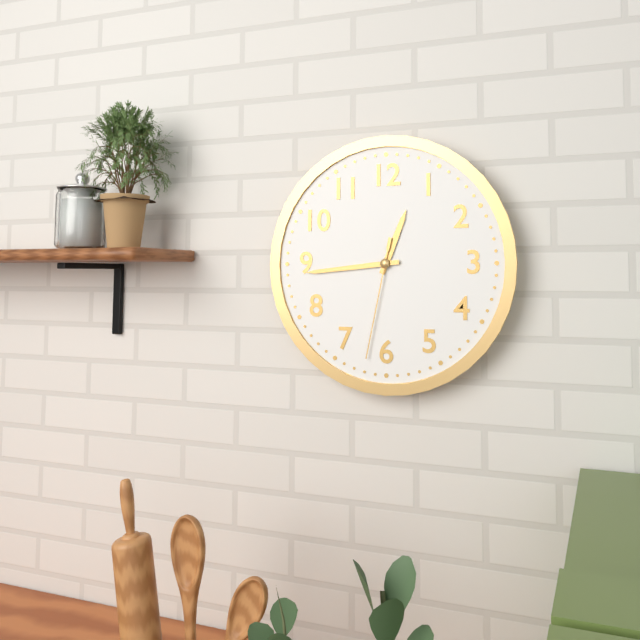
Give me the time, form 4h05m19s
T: 12h44m32s
